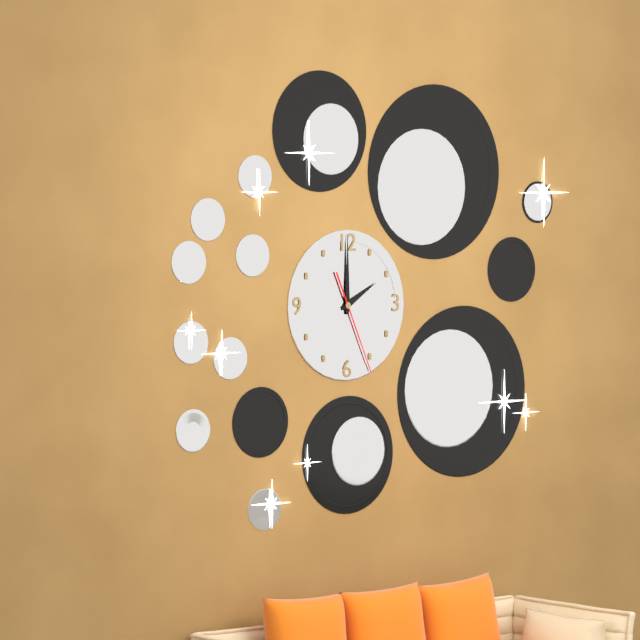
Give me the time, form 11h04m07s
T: 2h00m26s
